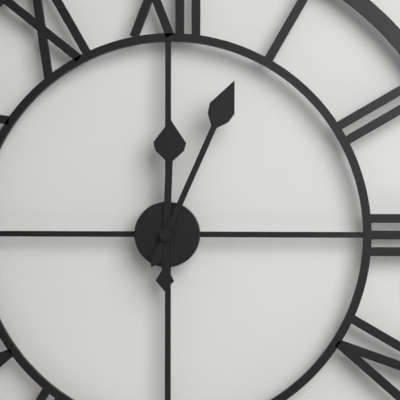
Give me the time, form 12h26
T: 12h04
